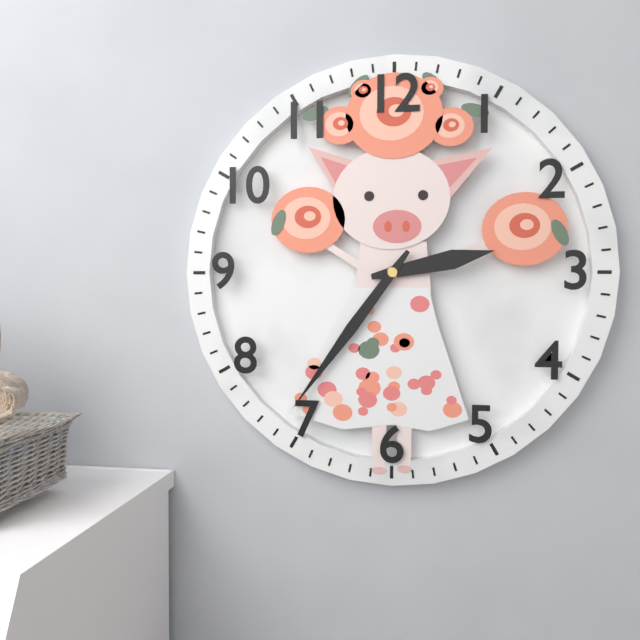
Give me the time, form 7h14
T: 2h36
